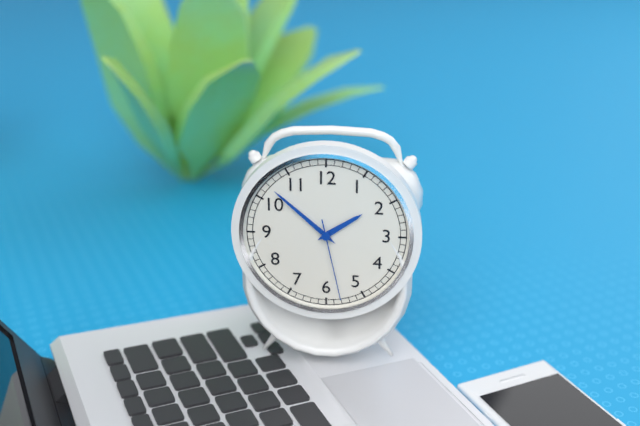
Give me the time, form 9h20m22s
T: 1h52m28s
